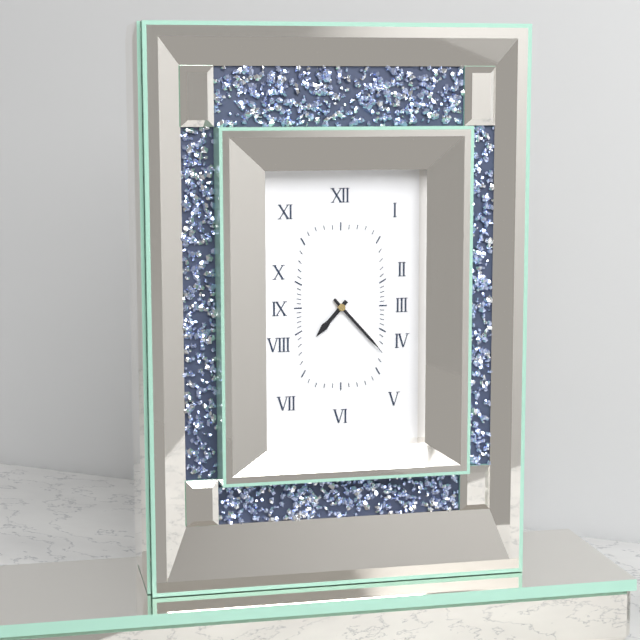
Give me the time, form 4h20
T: 7h23
